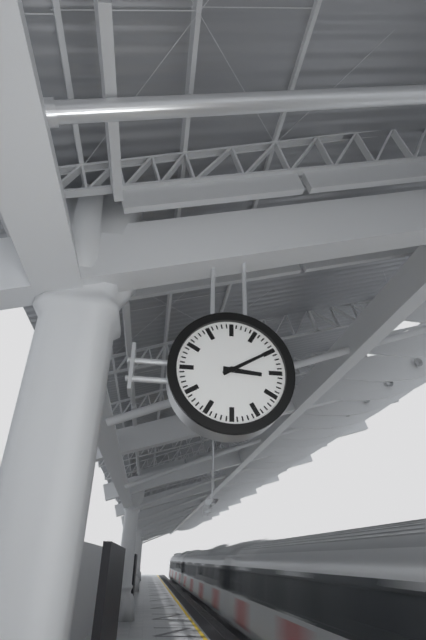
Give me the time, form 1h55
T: 3h10
